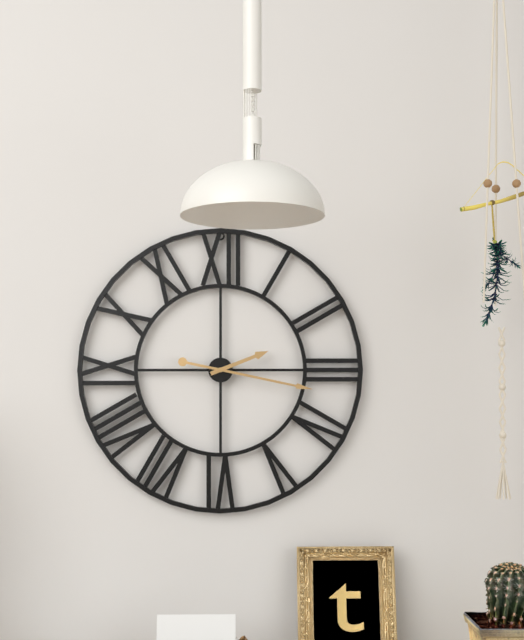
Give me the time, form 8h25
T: 2h17
